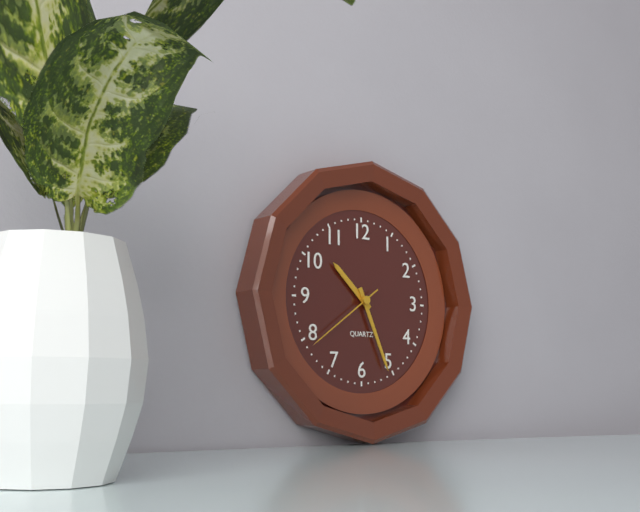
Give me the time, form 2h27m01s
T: 10h26m39s
